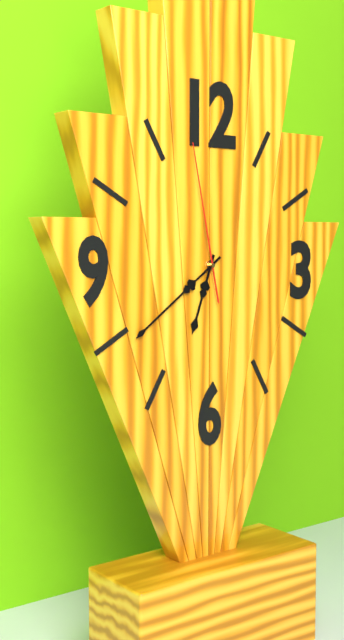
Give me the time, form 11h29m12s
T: 6h39m58s
